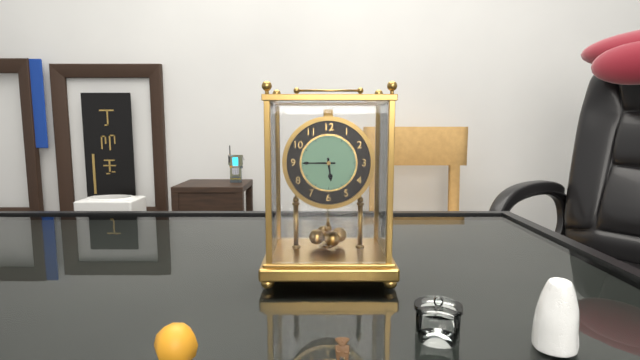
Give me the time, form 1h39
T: 5h45
